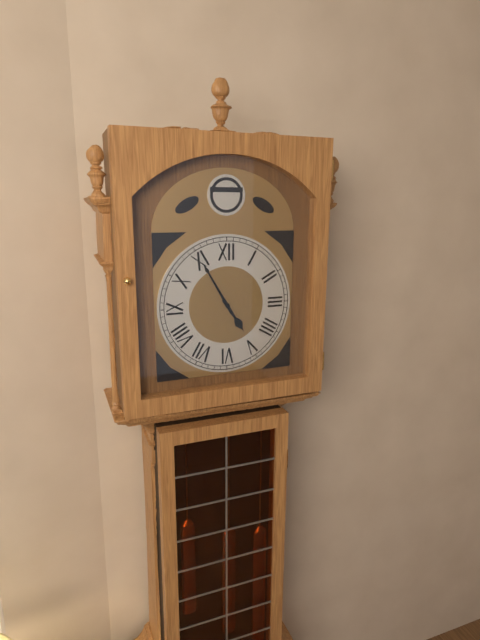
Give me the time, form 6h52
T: 4h55
